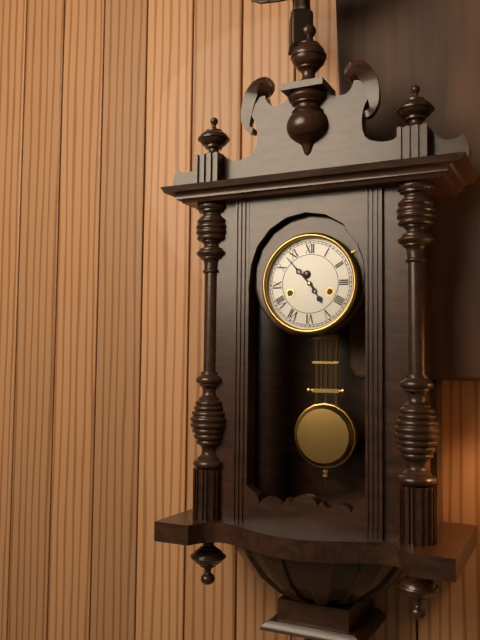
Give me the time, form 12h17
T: 4h53
